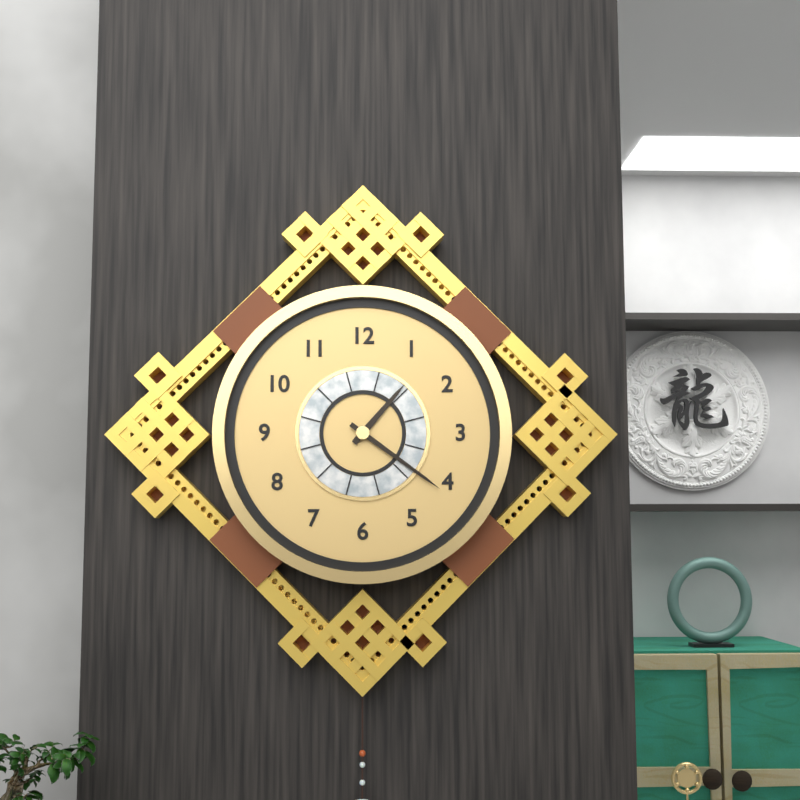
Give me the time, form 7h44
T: 1h21
